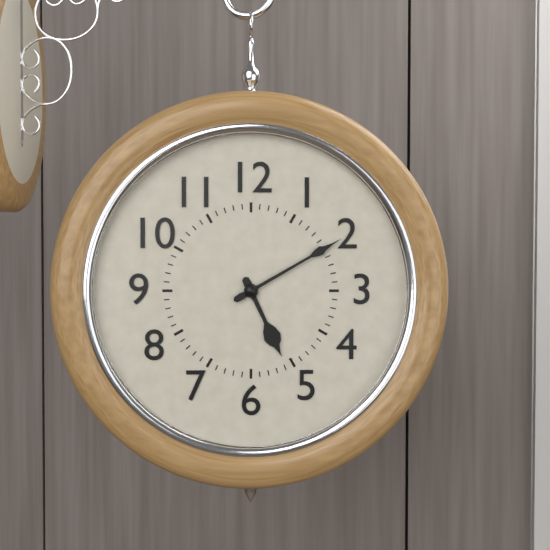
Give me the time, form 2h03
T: 5h10
